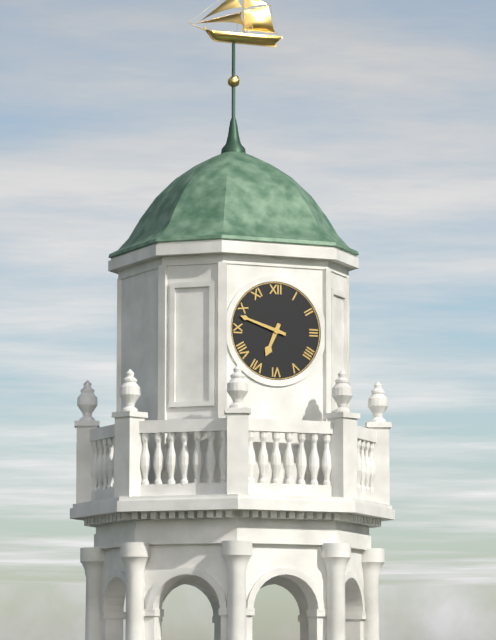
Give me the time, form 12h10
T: 6h48
